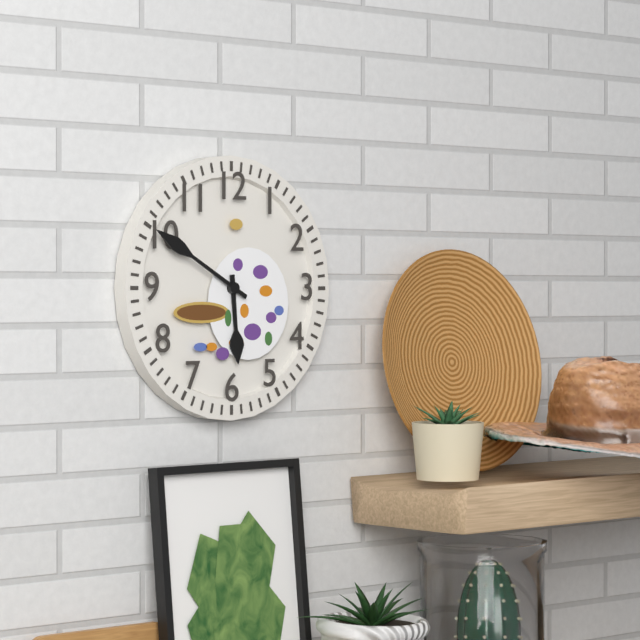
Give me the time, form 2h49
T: 5h50
